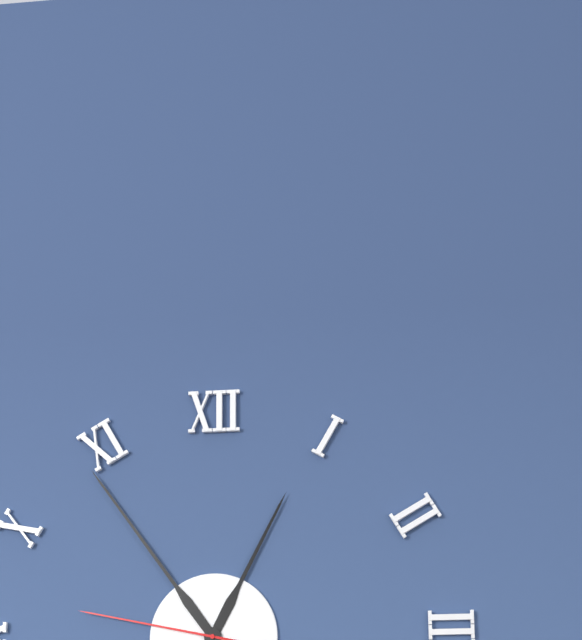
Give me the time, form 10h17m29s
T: 12h54m47s
